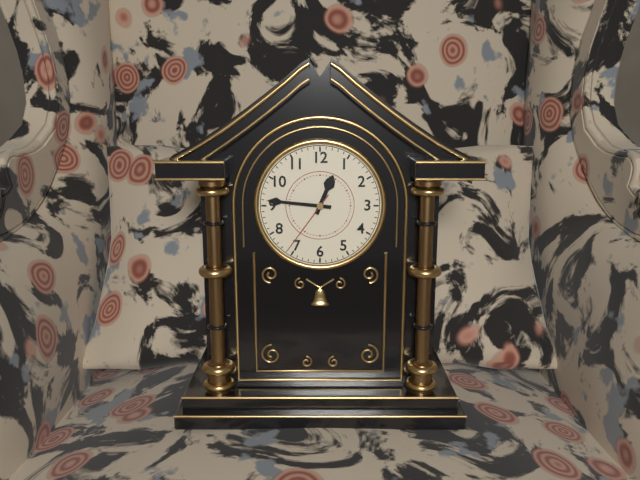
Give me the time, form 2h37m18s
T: 12h46m36s
